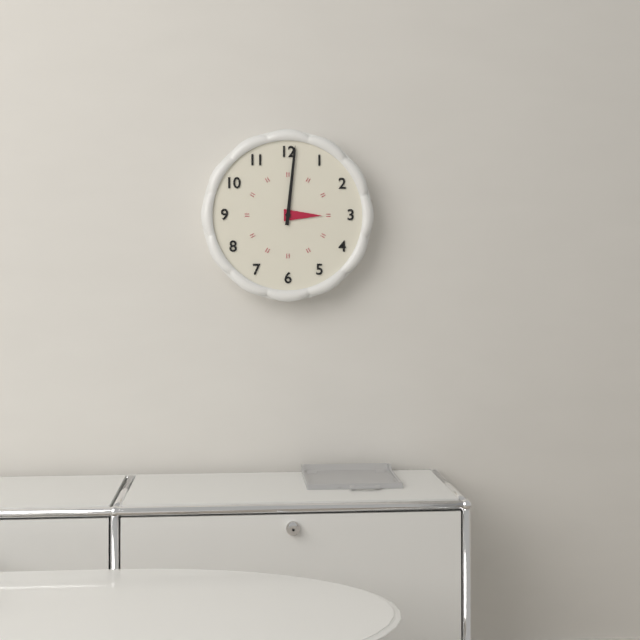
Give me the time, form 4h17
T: 3h01
